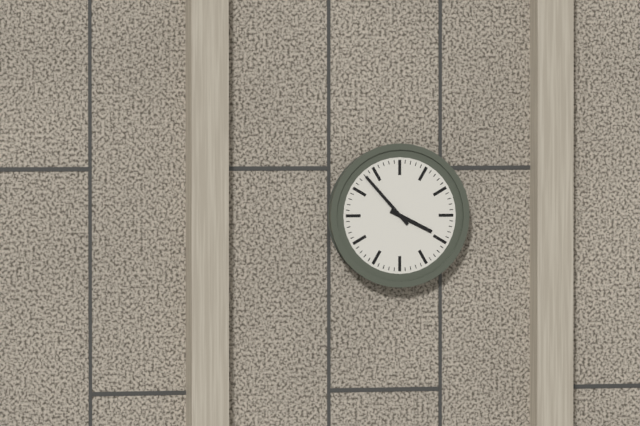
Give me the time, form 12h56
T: 3h53
